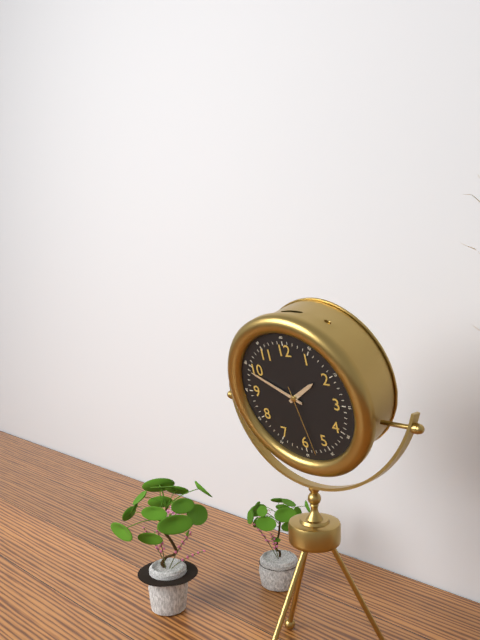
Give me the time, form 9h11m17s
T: 1h49m28s
